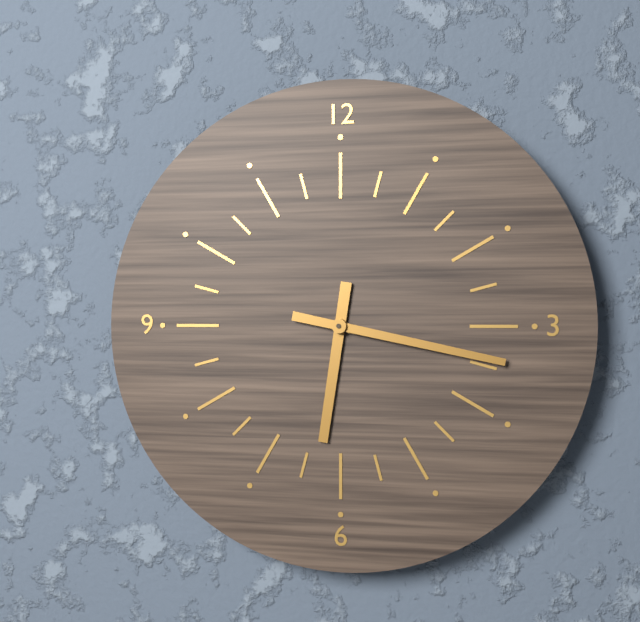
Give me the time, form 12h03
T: 6h17
